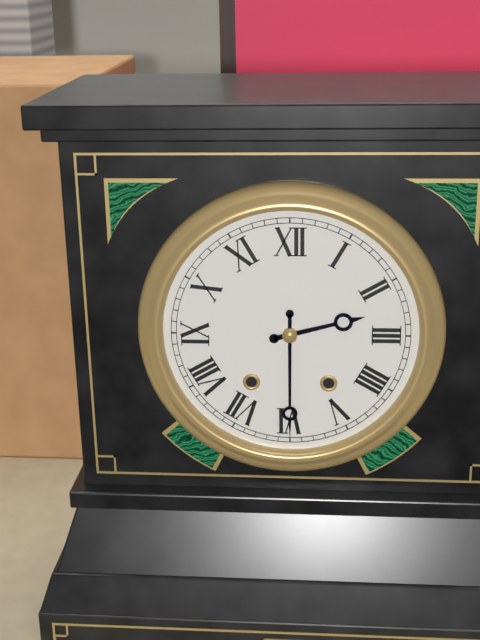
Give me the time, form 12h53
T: 2h30
